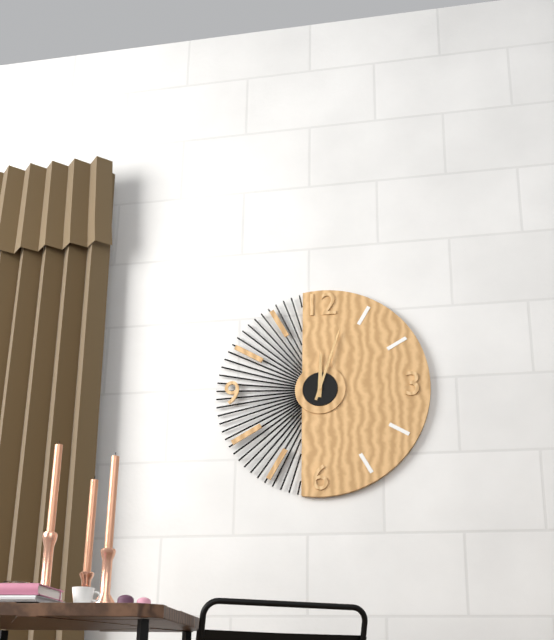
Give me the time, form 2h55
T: 12h03
